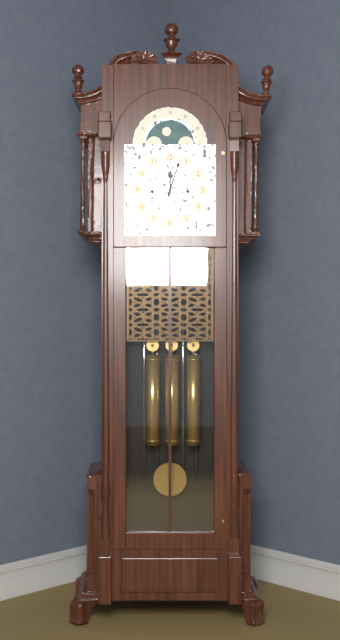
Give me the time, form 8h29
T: 12h03
